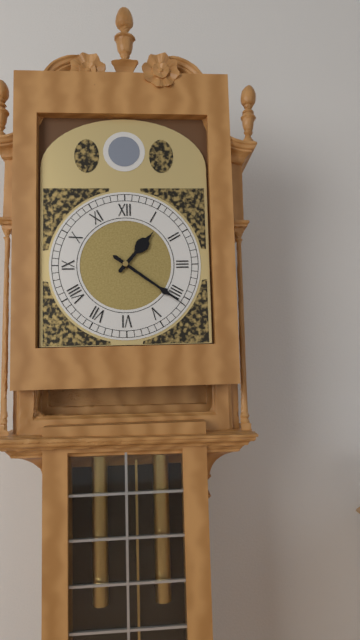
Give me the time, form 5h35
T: 1h21
